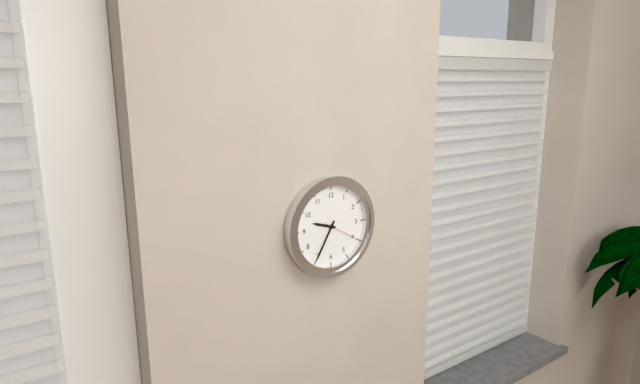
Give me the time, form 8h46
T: 9h35
